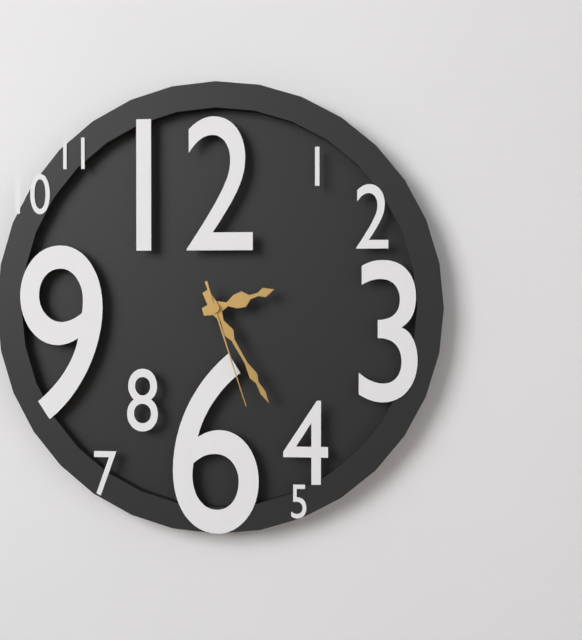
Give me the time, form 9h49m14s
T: 2h25m27s
